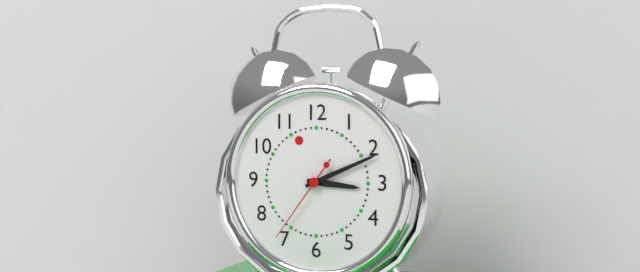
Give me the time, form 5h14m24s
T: 3h11m36s
